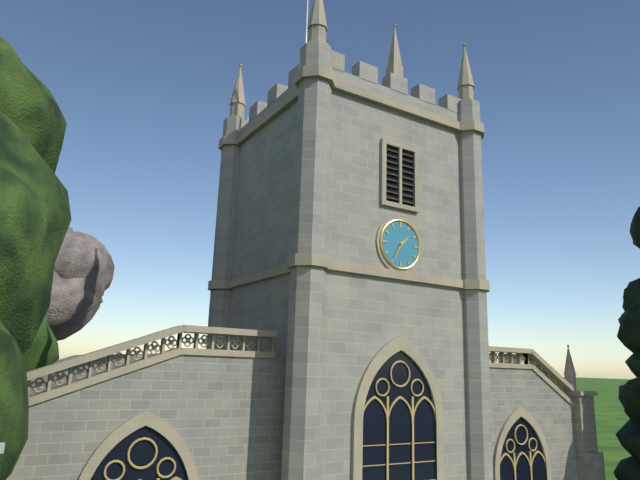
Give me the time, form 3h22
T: 1h35
